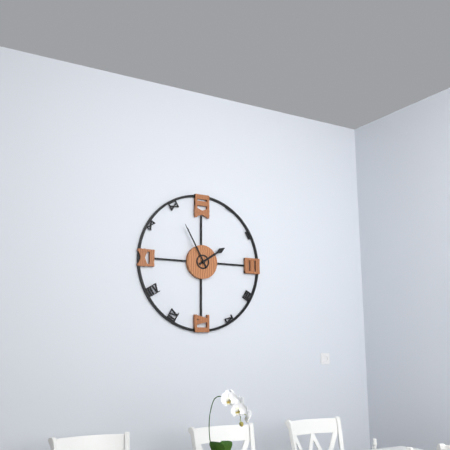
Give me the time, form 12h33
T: 1h55
